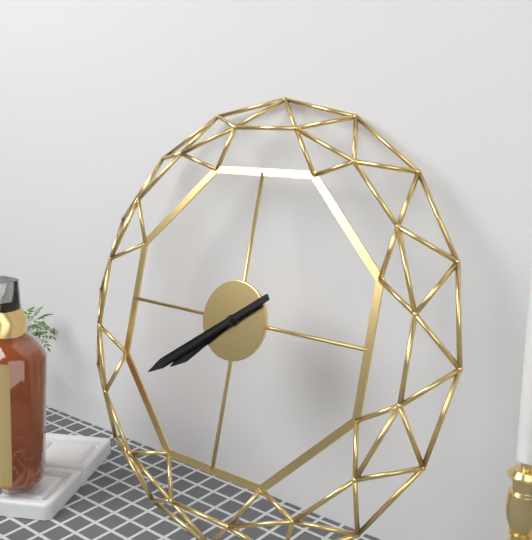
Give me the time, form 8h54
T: 7h39
